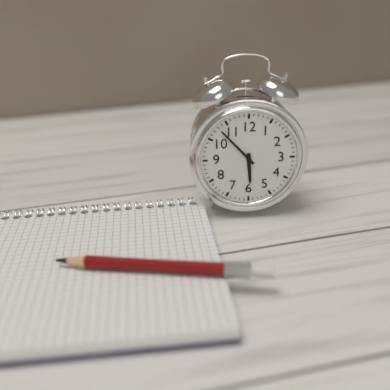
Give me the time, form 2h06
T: 5h53
